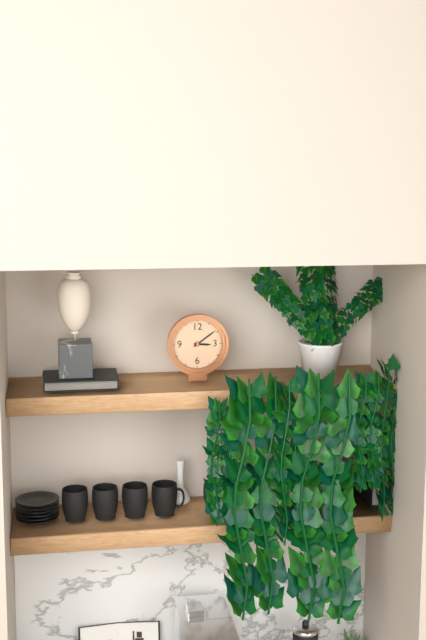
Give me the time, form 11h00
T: 3h09
